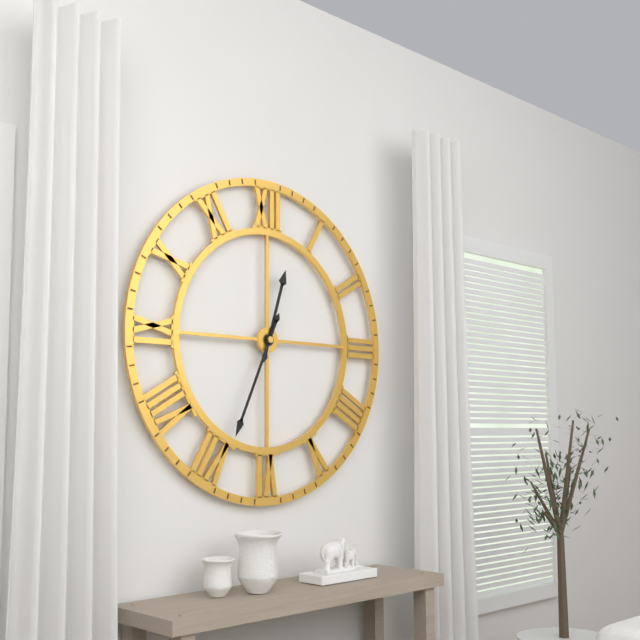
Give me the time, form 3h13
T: 12h34
